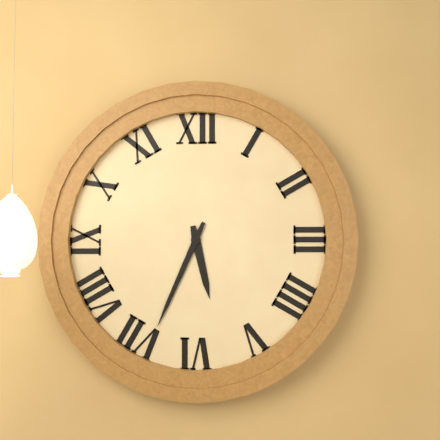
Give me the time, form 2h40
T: 5h34
